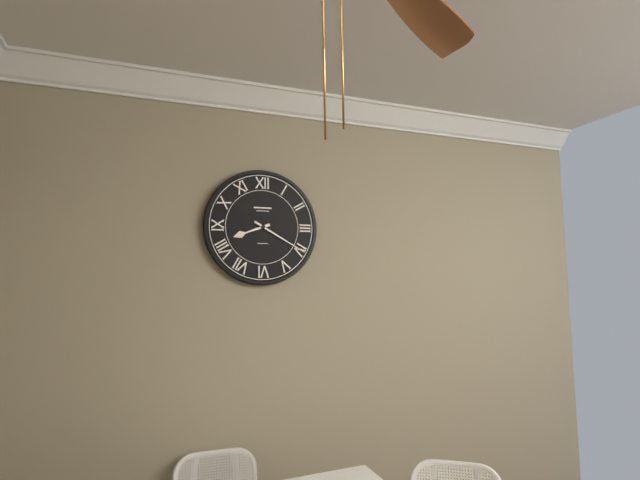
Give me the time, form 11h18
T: 8h20
